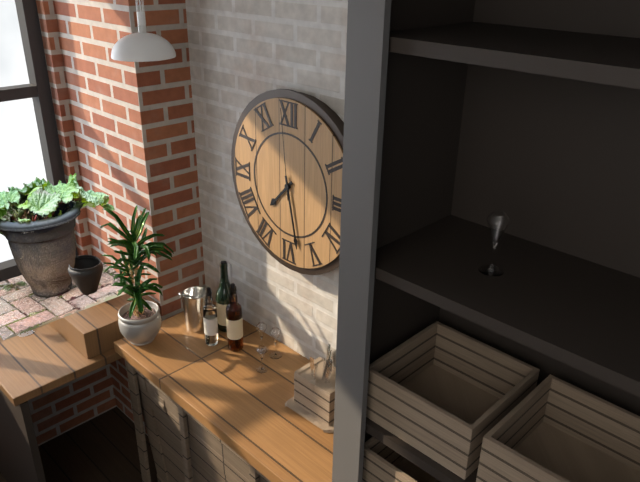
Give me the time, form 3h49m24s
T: 7h28m59s
